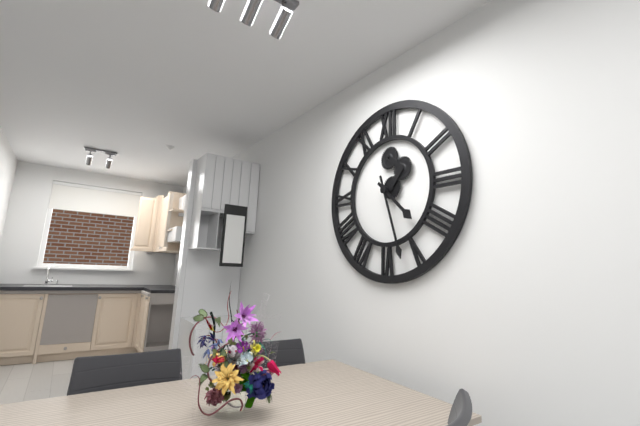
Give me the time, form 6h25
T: 4h27
